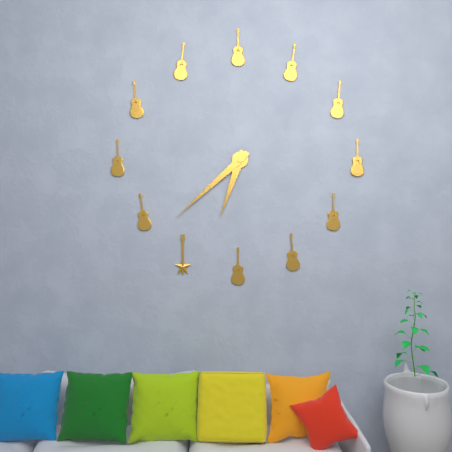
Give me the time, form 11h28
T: 6h38
